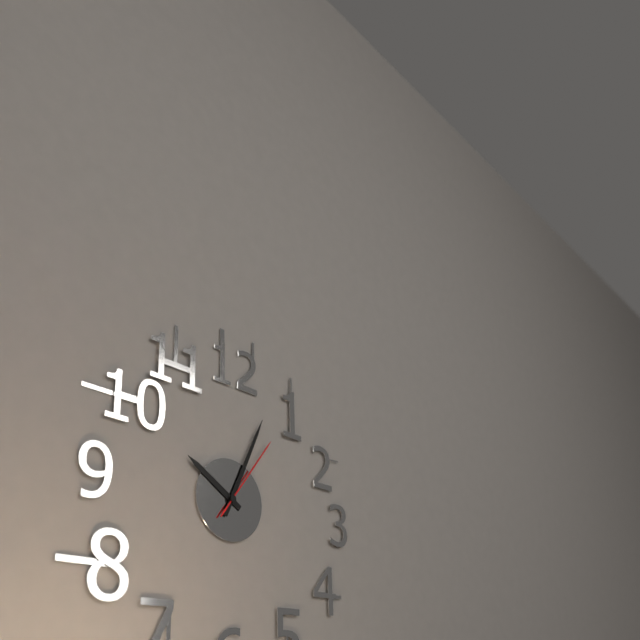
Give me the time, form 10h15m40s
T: 10h04m06s
